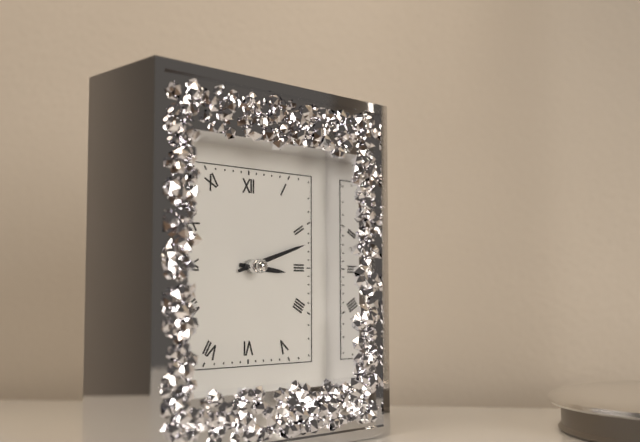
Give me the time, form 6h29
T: 3h12
